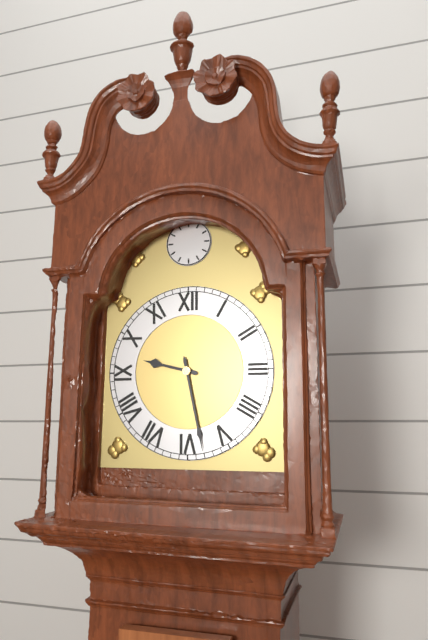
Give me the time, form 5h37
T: 9h28
